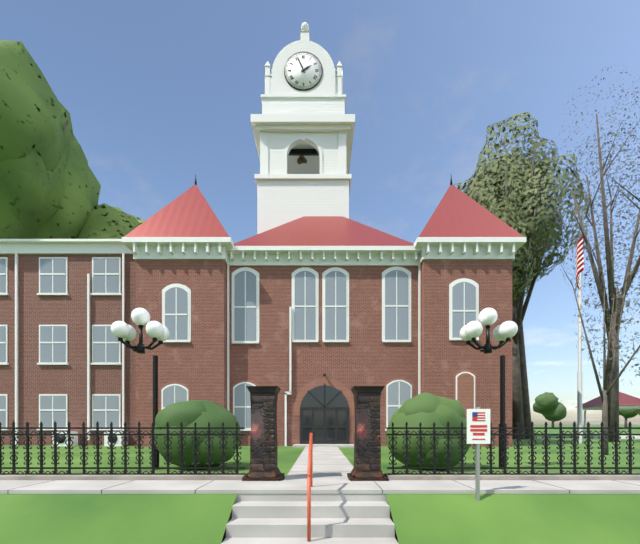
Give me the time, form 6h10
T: 1h56
